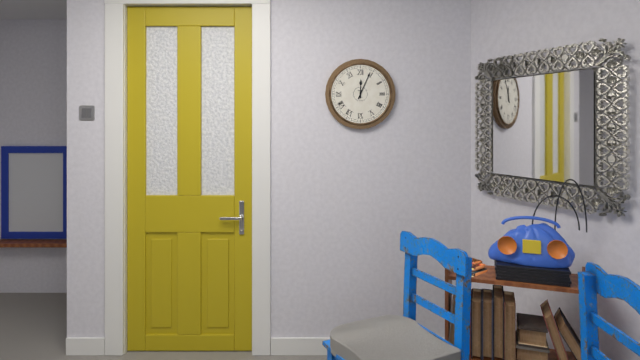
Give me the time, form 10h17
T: 12h04
